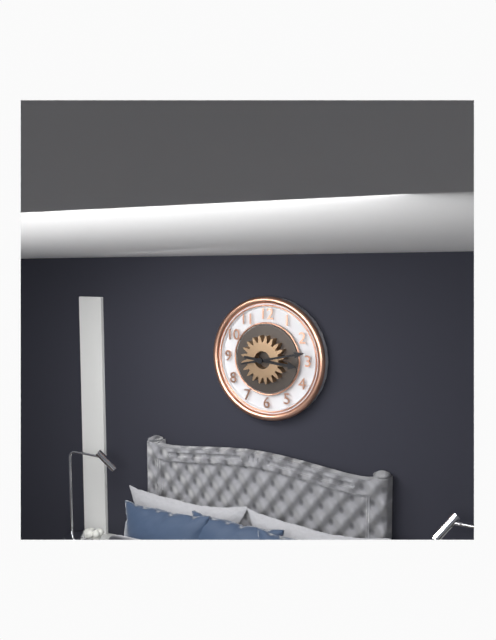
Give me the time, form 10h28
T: 3h13
